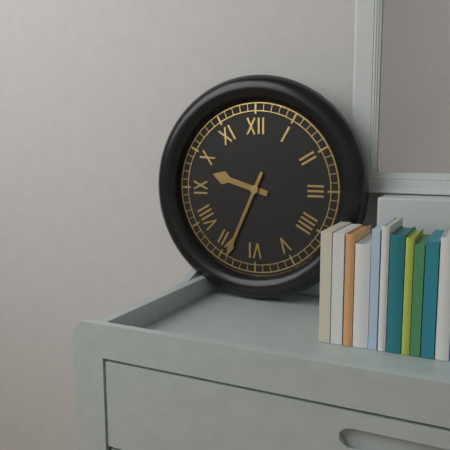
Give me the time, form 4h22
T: 9h34
